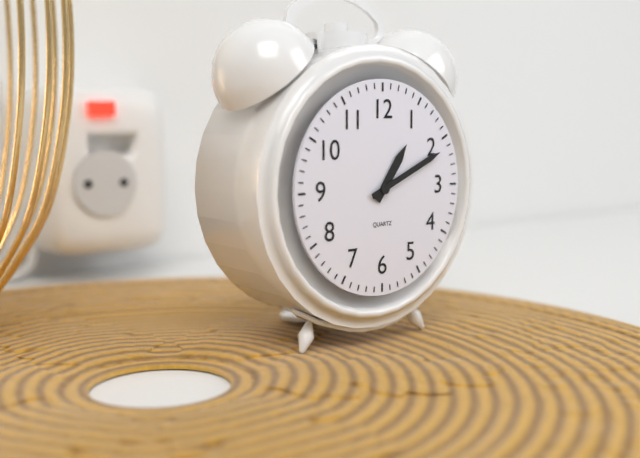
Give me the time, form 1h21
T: 1h11
